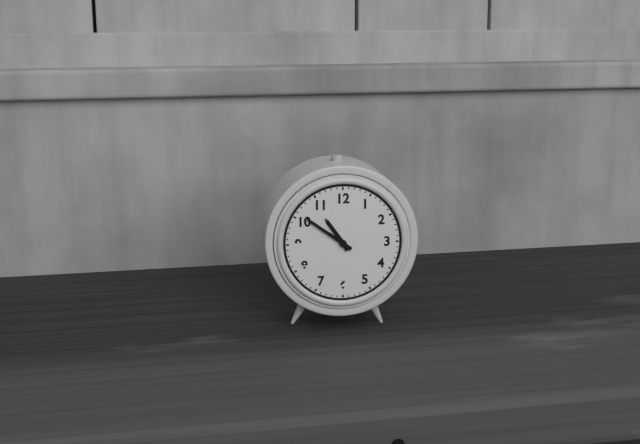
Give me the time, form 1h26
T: 10h51
